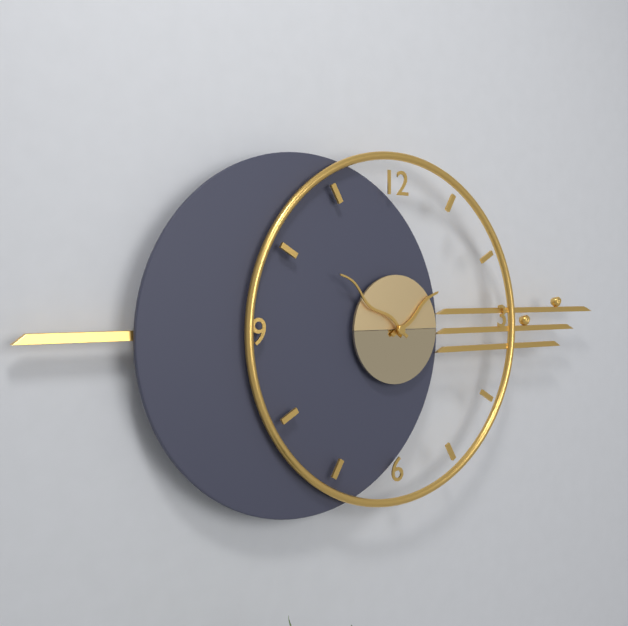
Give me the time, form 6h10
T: 1h51
